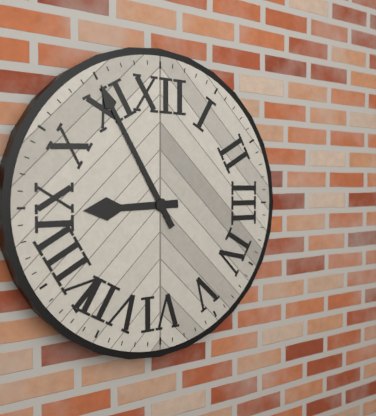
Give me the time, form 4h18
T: 8h55
